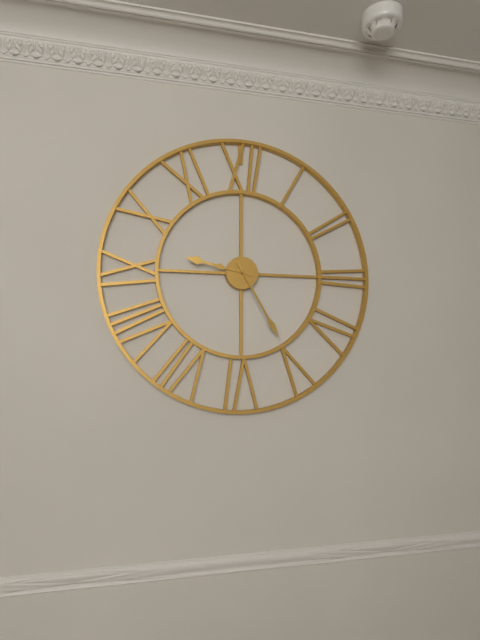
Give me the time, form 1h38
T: 9h25
